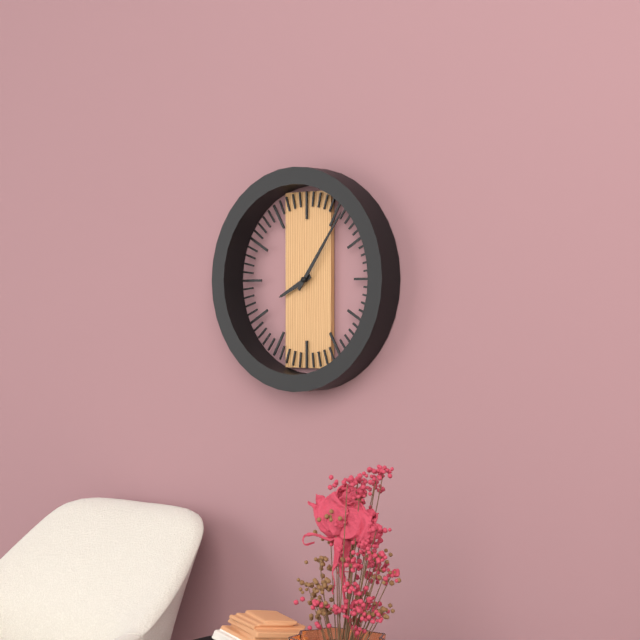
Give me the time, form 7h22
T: 8h06
